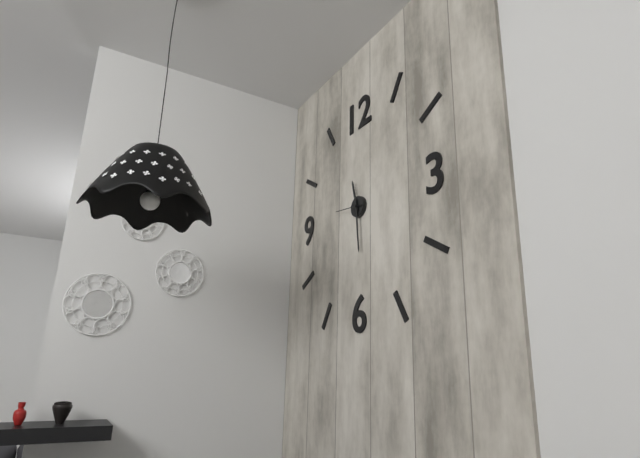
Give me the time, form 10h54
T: 11h29
